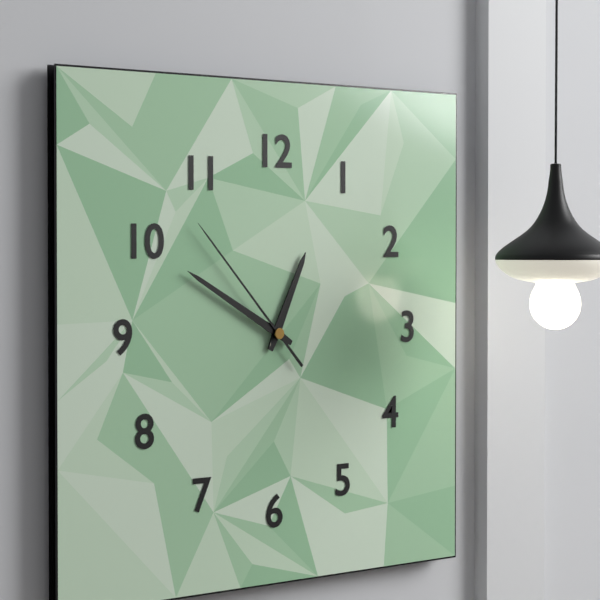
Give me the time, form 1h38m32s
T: 12h50m53s
